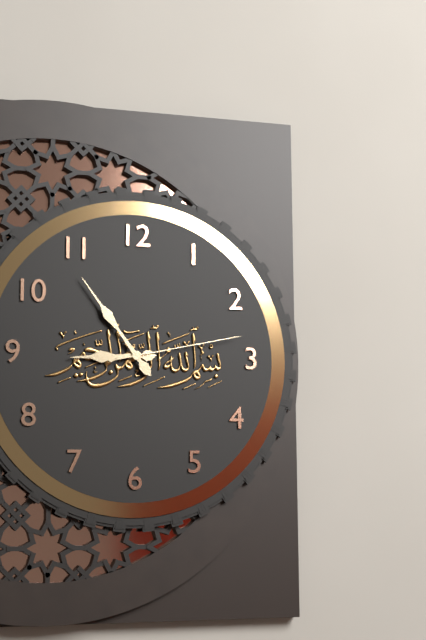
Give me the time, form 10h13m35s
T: 8h54m13s
